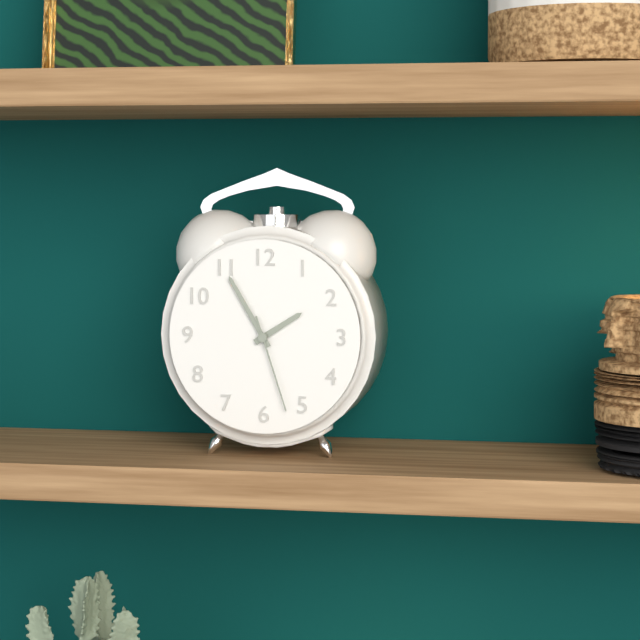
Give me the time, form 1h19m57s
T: 1h55m27s
